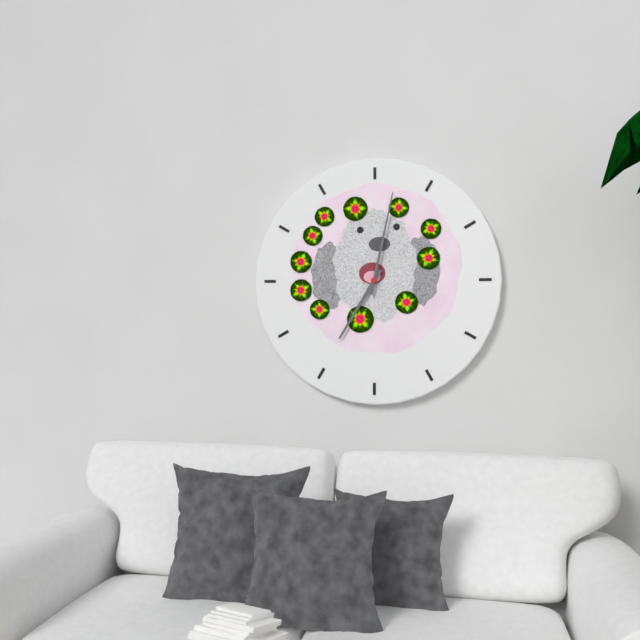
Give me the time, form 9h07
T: 7h02
